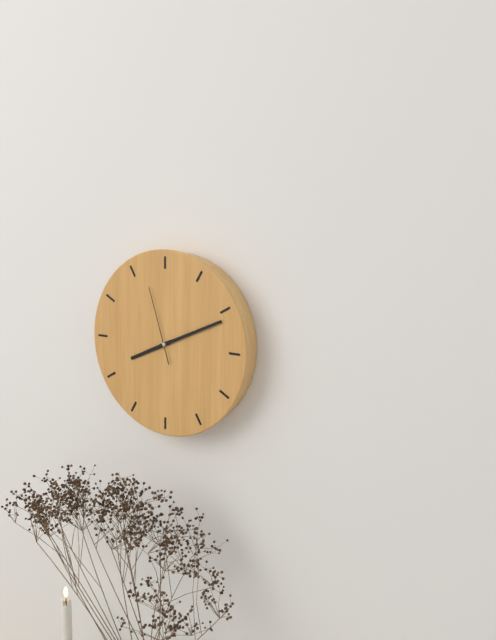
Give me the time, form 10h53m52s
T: 8h11m57s
